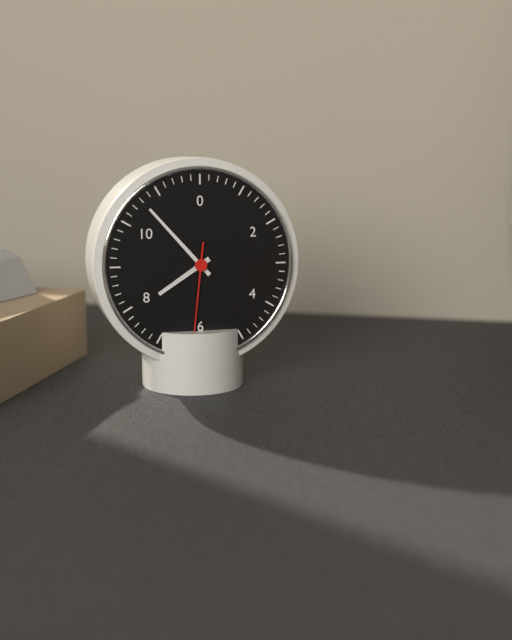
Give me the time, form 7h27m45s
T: 7h53m31s
